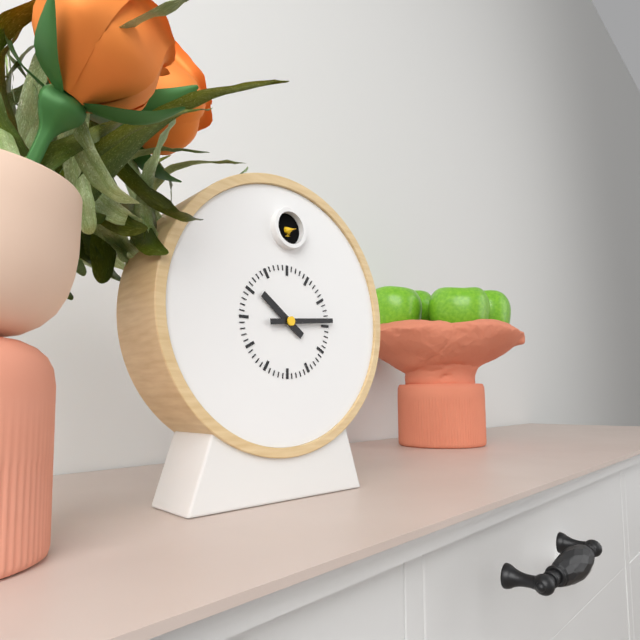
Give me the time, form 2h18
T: 10h14
